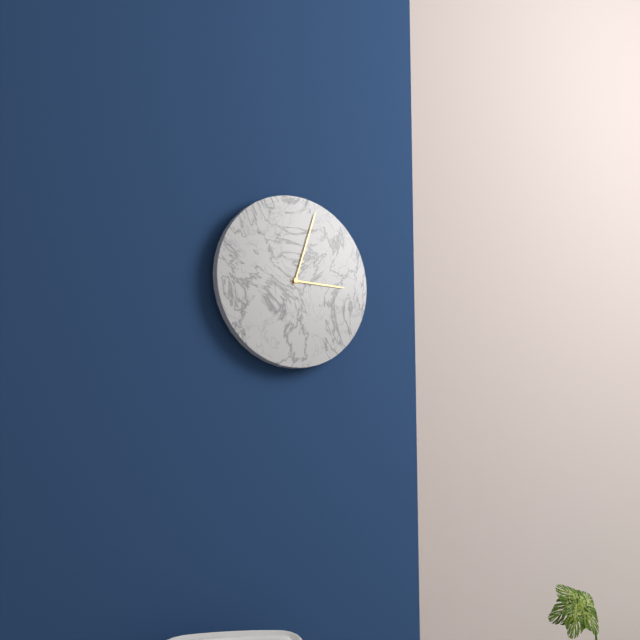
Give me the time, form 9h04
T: 3h03
